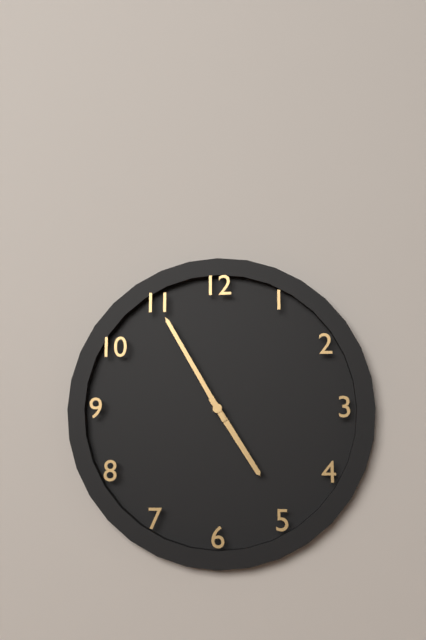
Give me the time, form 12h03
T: 4h55
